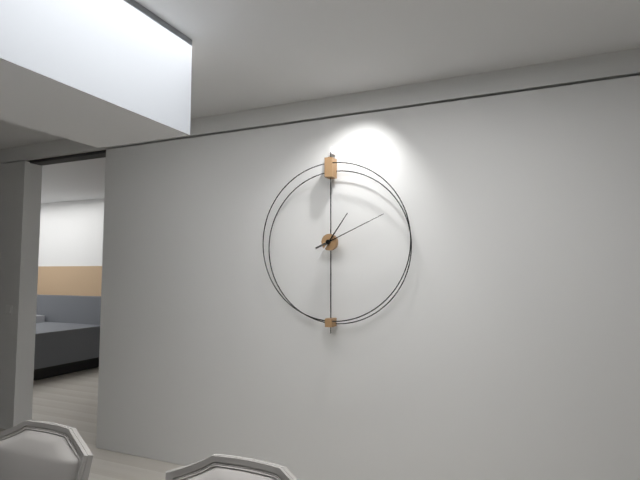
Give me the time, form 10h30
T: 1h11
